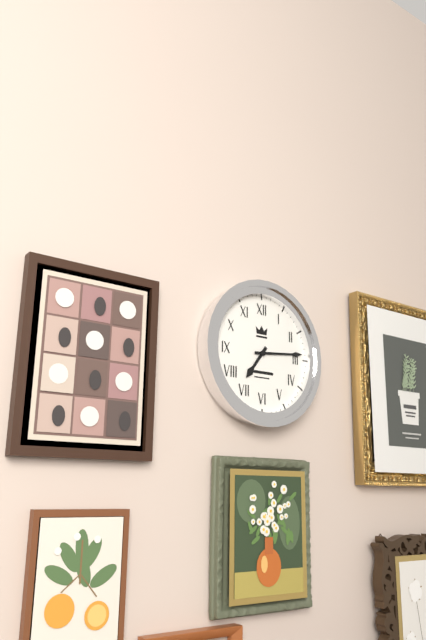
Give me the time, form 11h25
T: 7h14
